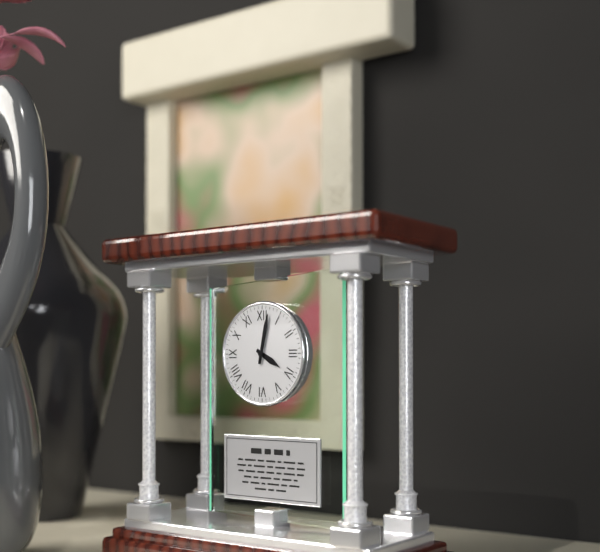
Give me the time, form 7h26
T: 4h02
